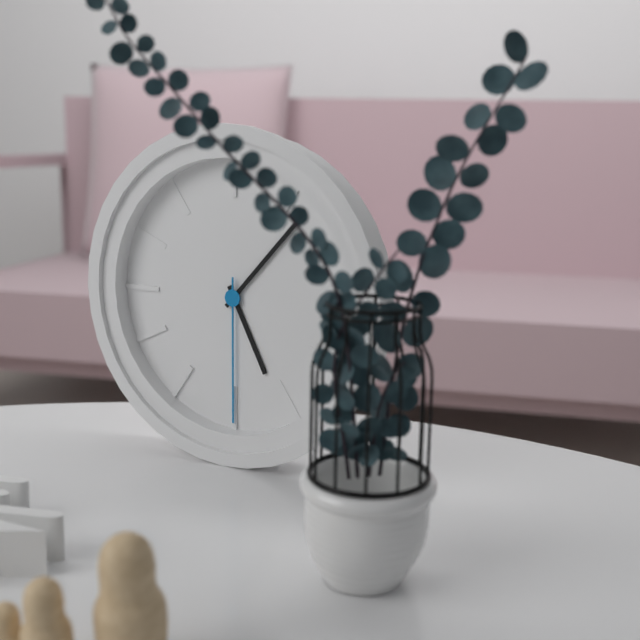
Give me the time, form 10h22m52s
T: 5h07m30s
